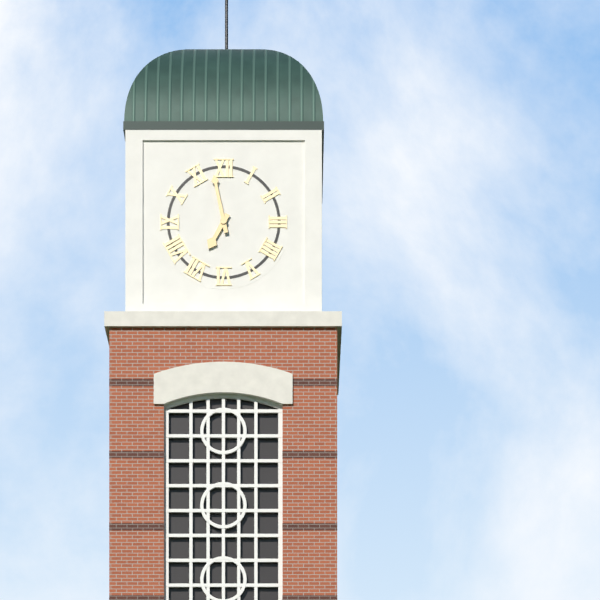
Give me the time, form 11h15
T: 6h58
